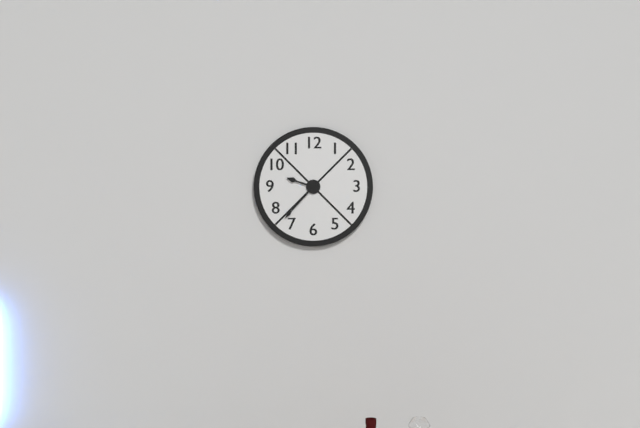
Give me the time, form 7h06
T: 9h37
